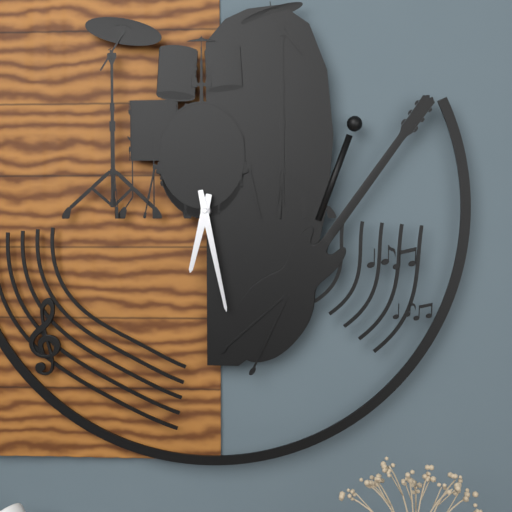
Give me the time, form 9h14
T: 6h28
